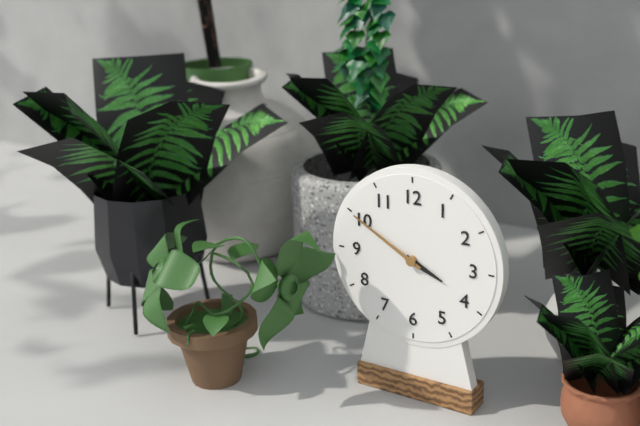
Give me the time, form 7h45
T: 3h50
